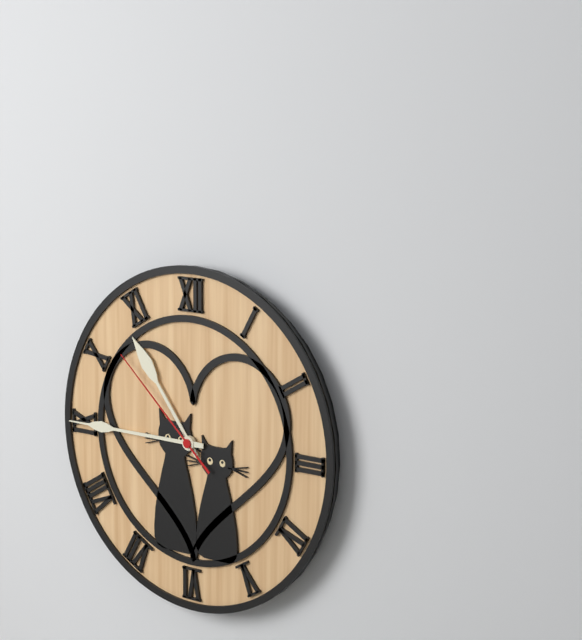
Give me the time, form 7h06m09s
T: 10h45m52s
